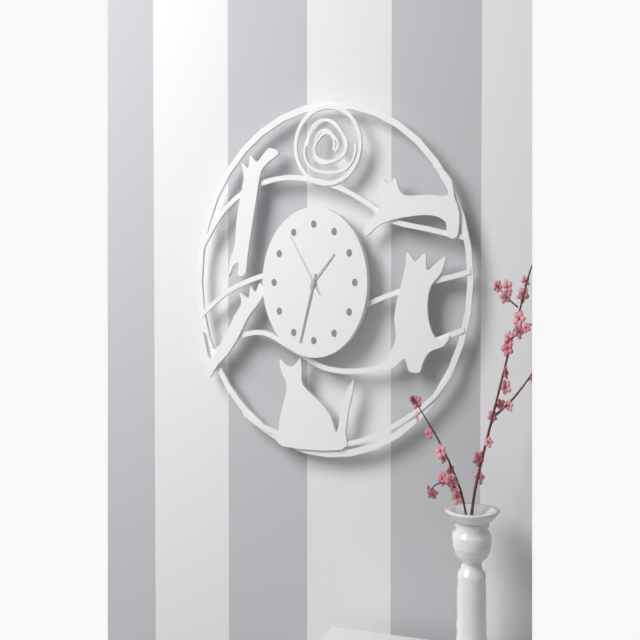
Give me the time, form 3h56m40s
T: 1h33m54s
